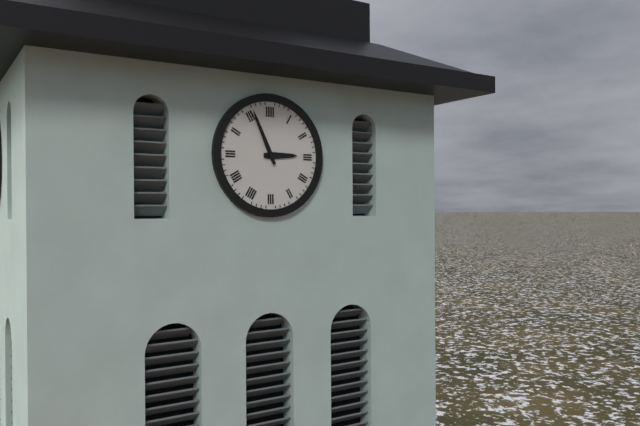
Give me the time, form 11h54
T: 2h56
